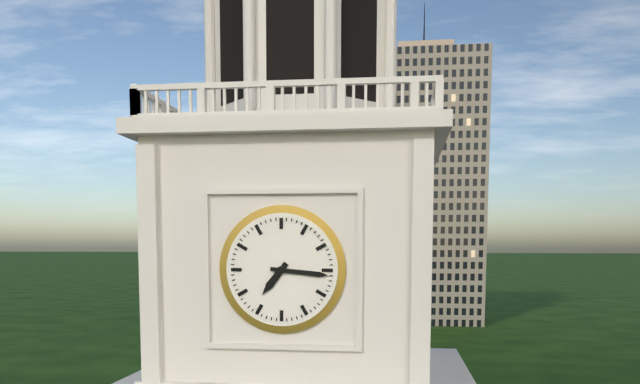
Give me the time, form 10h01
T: 7h16
